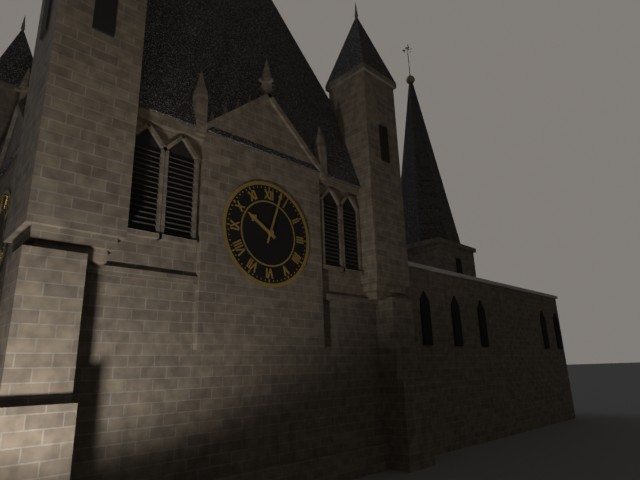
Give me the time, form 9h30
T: 10h03
